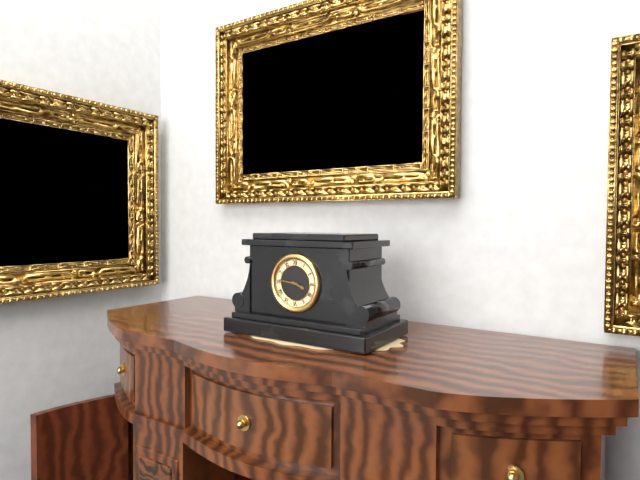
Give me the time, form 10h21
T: 3h46
